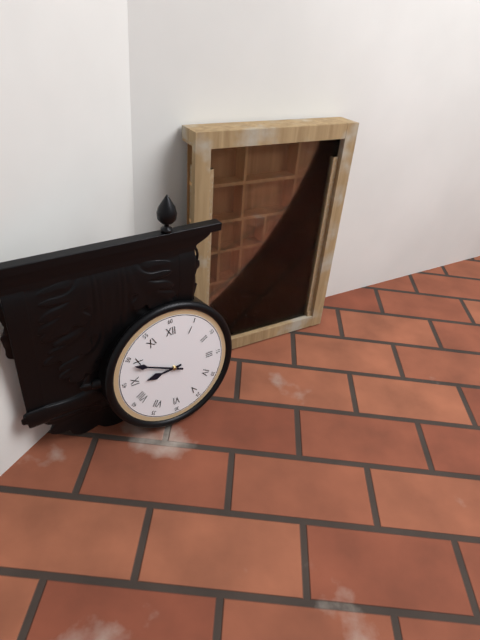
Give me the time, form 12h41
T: 8h49
